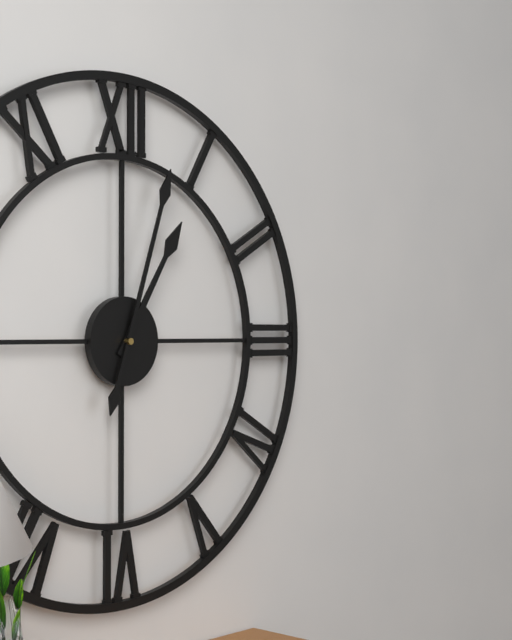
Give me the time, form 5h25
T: 1h03
